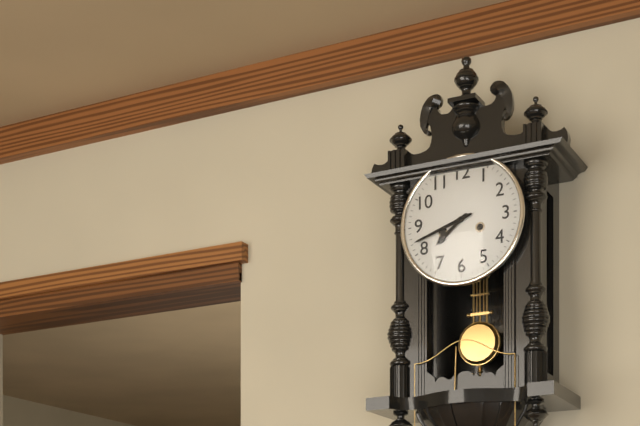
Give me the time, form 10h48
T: 7h42
